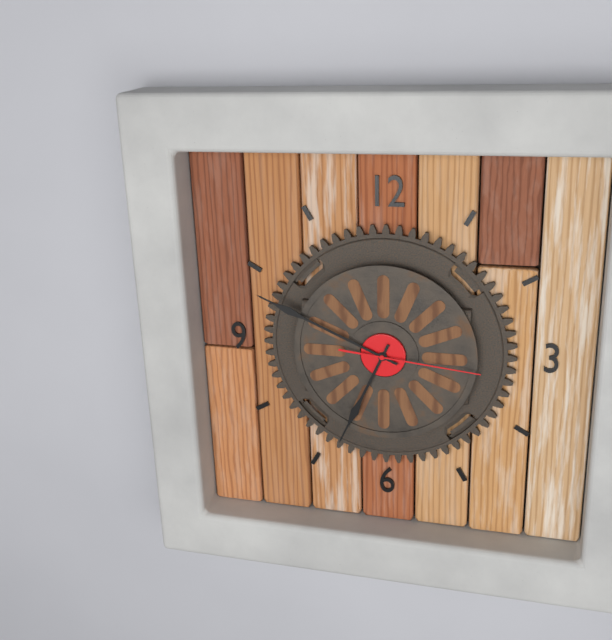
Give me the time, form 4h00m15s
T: 6h49m16s
